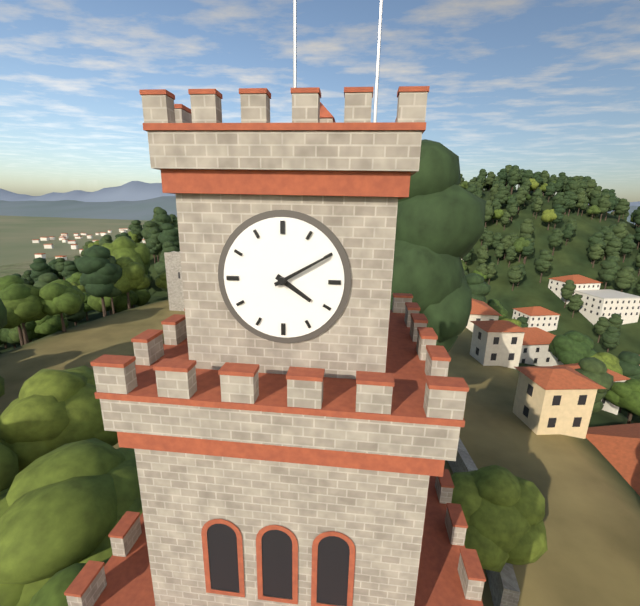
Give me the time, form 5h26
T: 4h10
